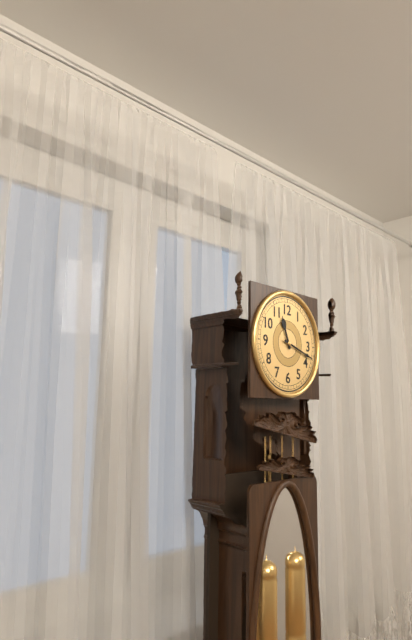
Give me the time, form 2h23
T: 11h18
